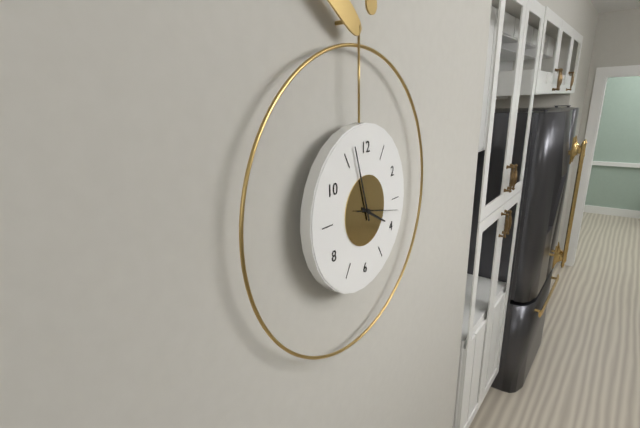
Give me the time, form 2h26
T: 3h57
